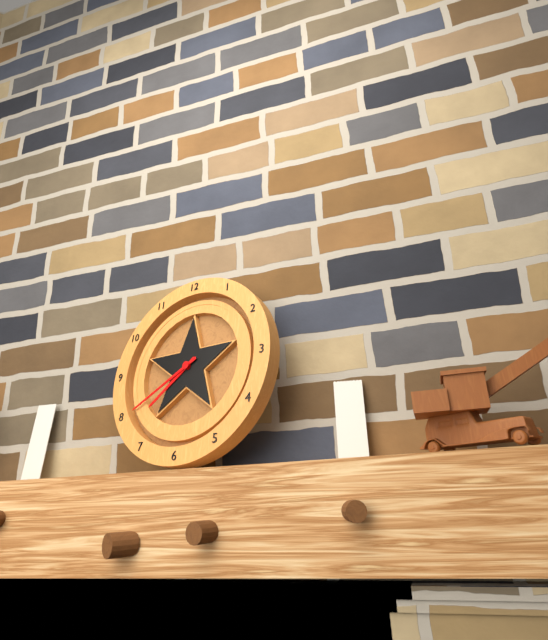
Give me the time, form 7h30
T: 7h40
